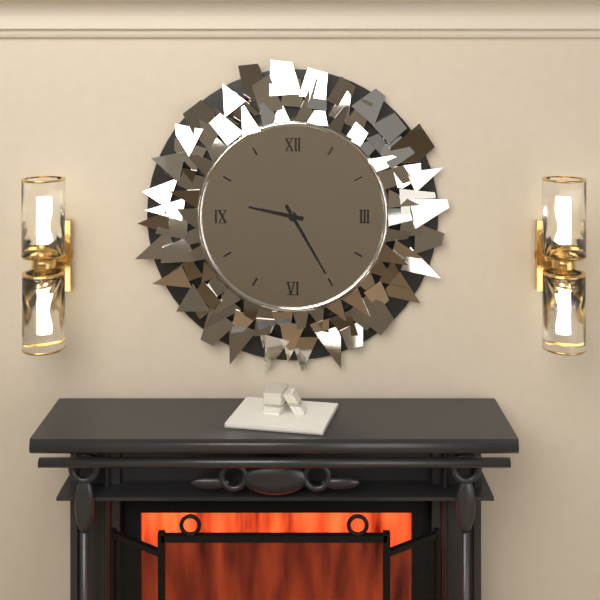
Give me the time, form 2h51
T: 9h25
